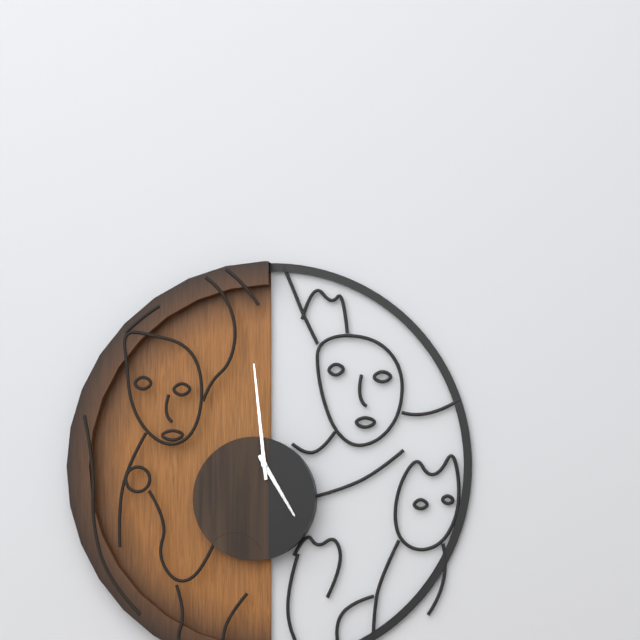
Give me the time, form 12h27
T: 4h59
